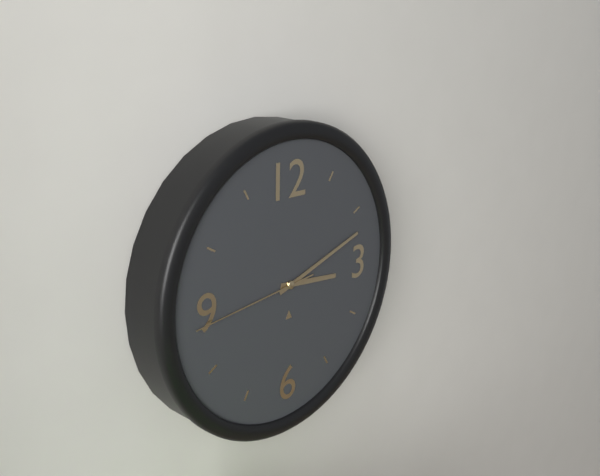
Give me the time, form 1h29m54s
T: 3h12m44s
